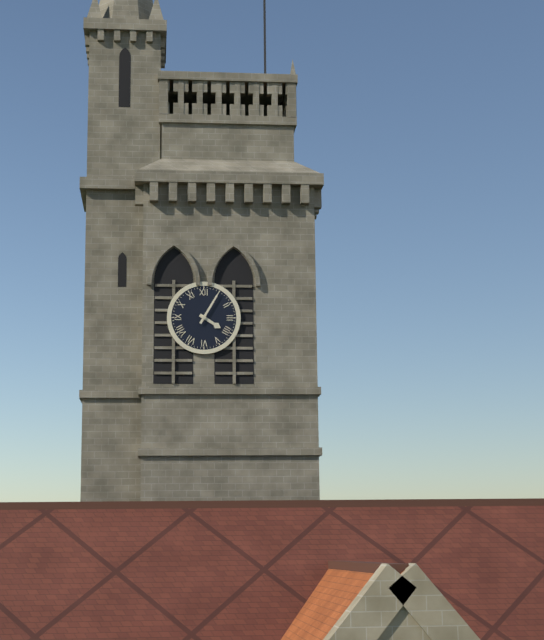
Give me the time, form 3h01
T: 4h05
